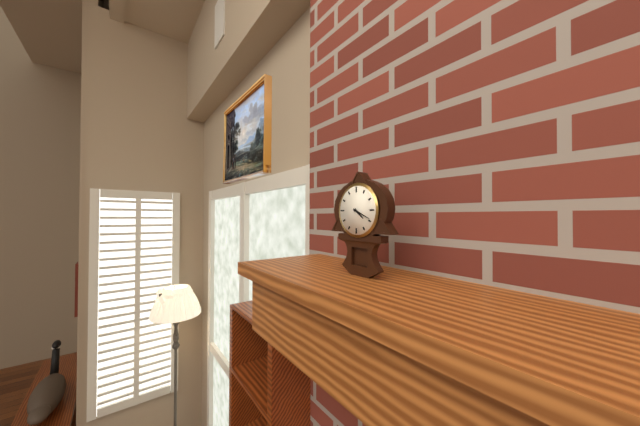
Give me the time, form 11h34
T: 4h19
